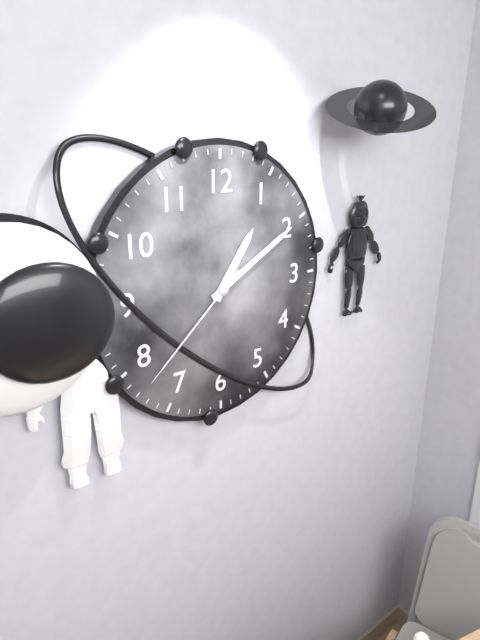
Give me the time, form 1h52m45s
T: 1h10m38s
